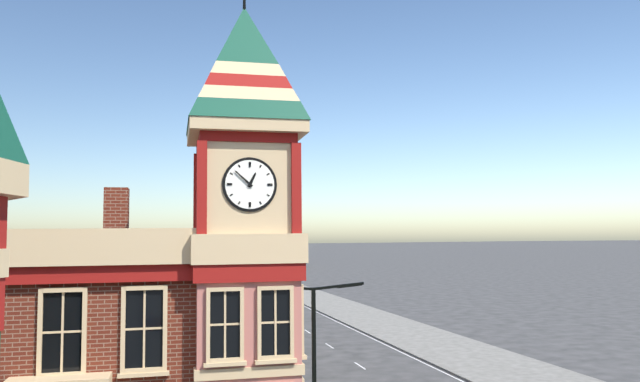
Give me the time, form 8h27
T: 12h52
